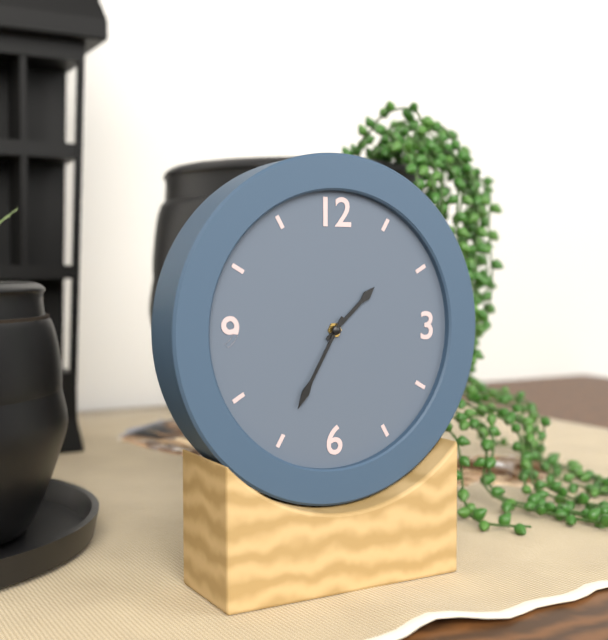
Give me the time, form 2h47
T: 1h35
